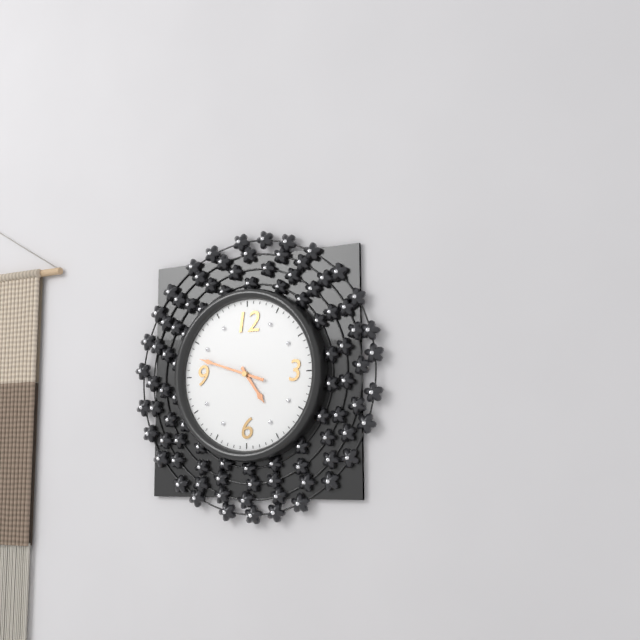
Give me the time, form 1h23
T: 4h48
